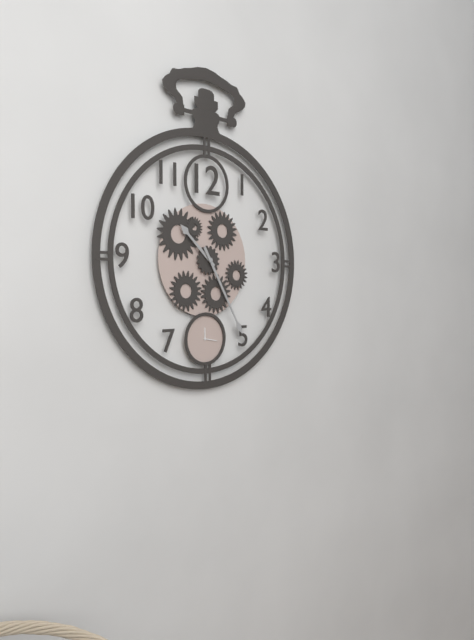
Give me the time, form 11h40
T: 10h25
